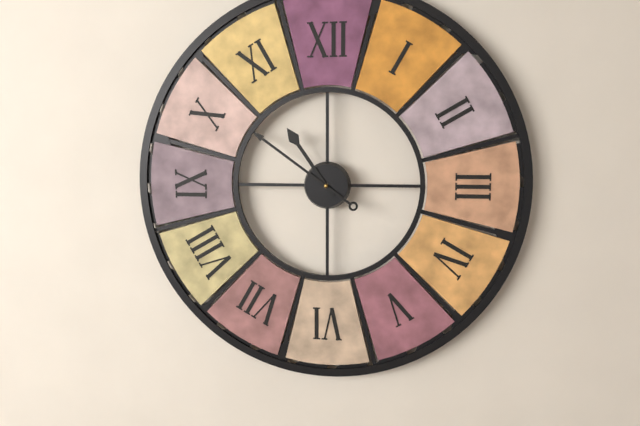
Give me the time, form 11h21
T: 10h51
